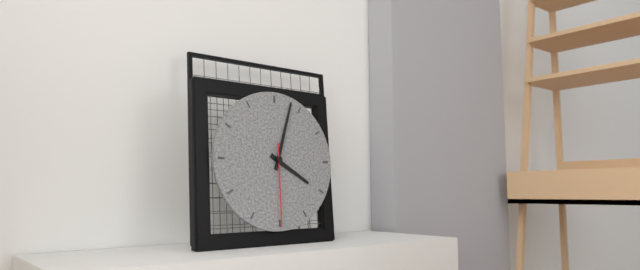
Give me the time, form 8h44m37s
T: 4h03m30s
